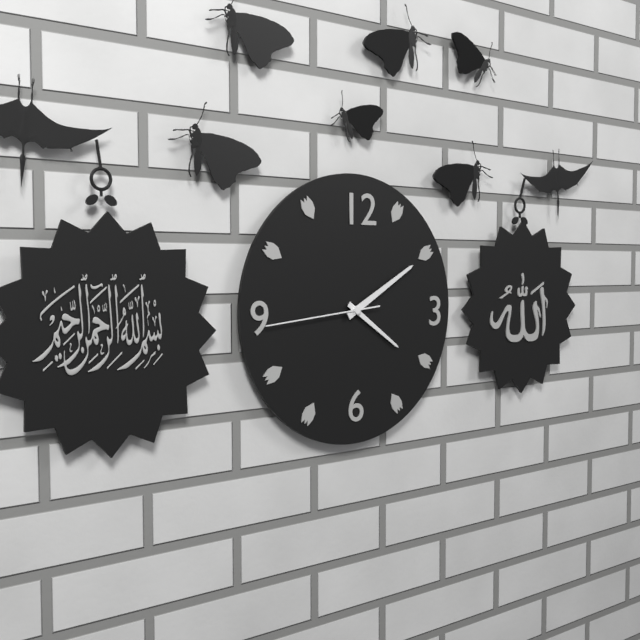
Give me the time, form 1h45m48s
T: 4h10m44s
